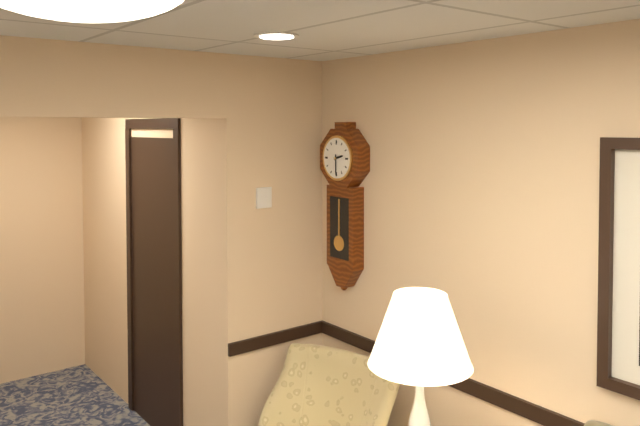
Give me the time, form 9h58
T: 2h30
